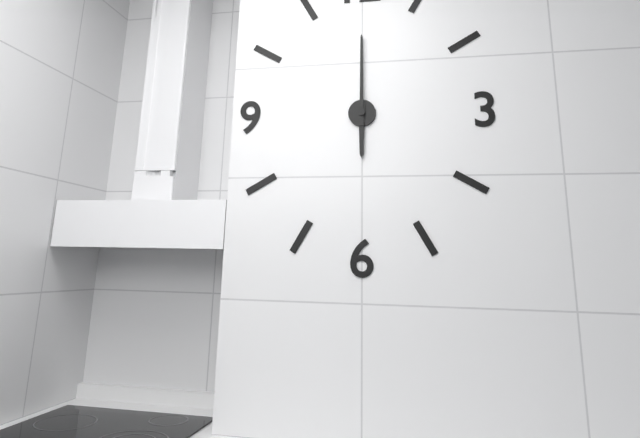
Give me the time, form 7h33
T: 6h00
